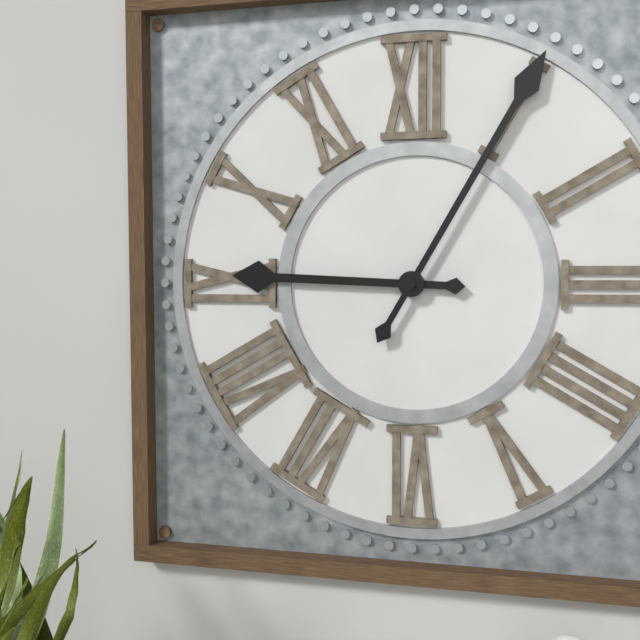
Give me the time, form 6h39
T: 9h05
